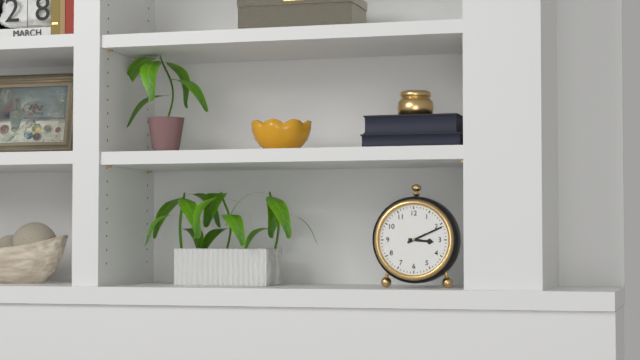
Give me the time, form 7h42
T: 3h11
